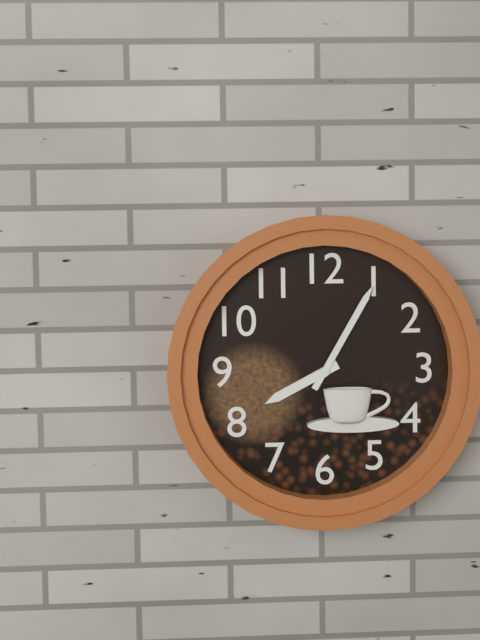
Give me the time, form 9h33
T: 8h05
